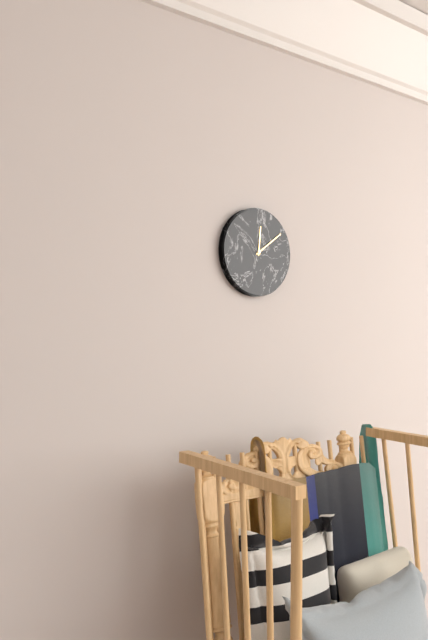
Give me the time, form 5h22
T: 12h09
